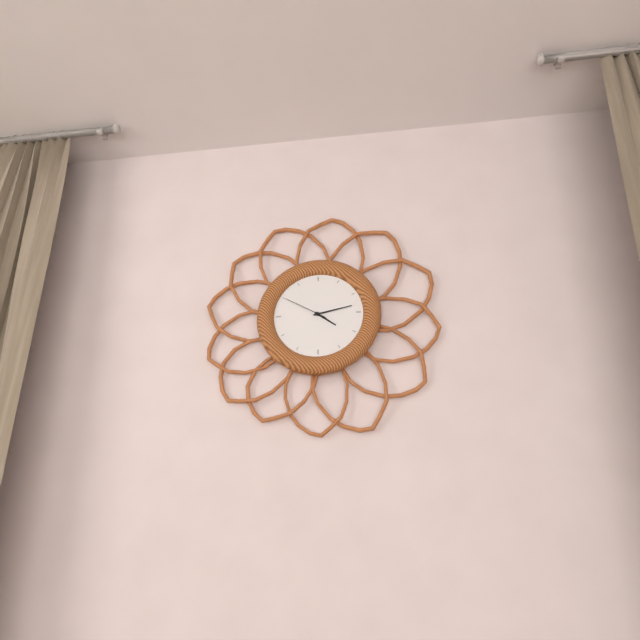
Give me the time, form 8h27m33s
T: 4h13m50s
